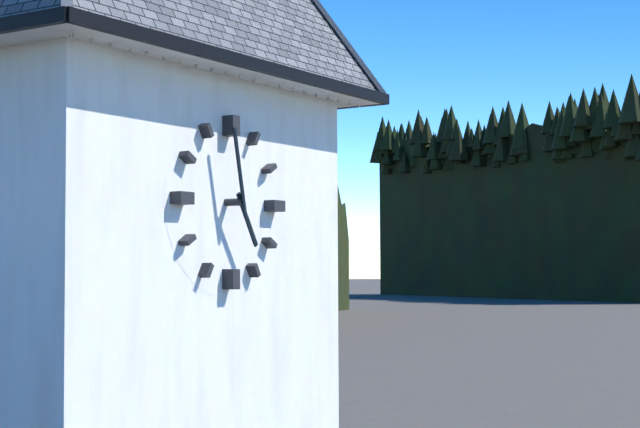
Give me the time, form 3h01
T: 4h58
